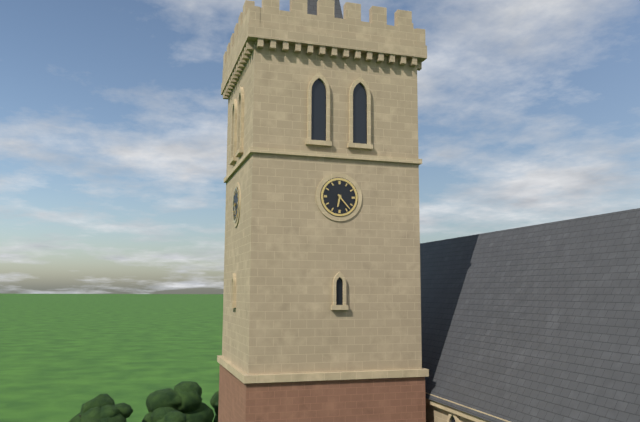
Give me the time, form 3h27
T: 6h23
